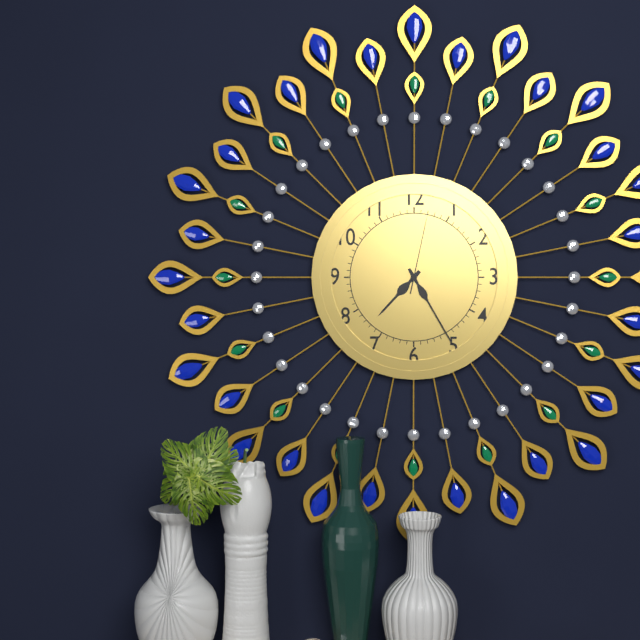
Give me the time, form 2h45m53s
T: 7h25m02s
